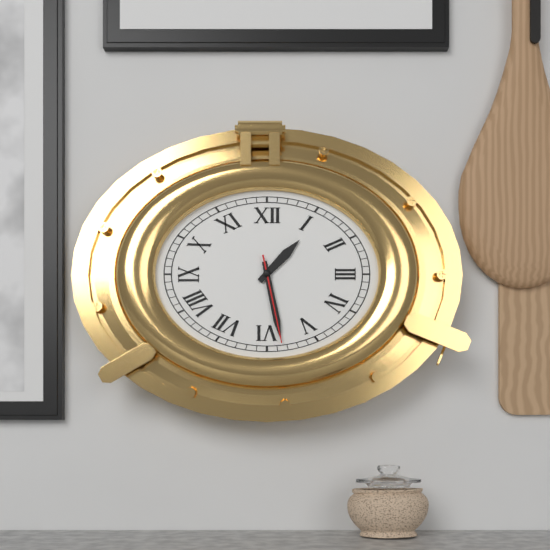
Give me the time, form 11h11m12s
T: 1h28m28s
